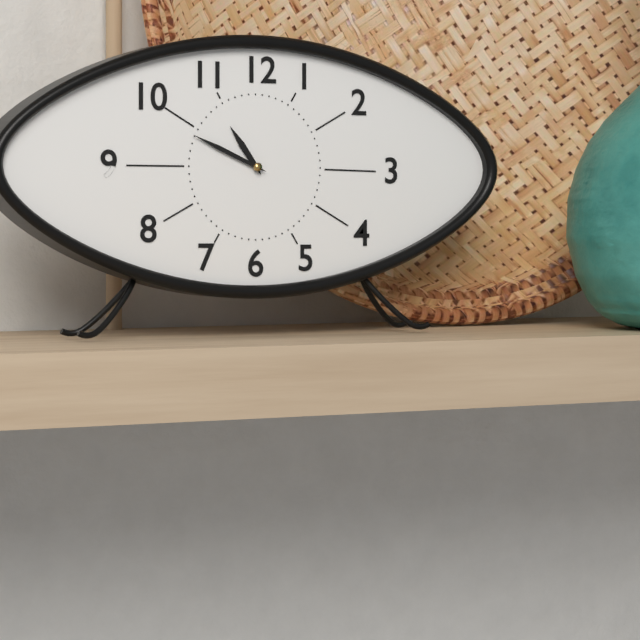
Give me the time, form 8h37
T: 10h49
